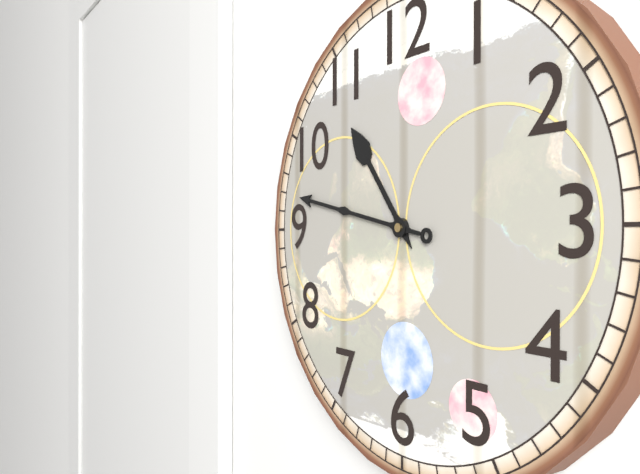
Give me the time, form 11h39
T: 10h47
